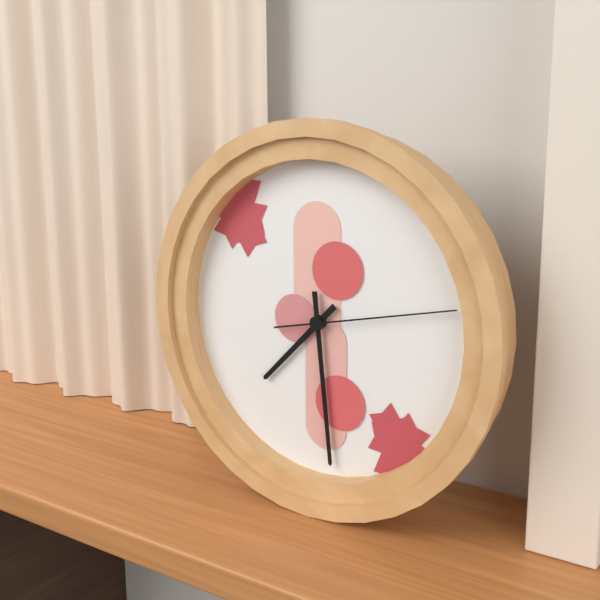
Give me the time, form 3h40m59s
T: 7h29m13s
